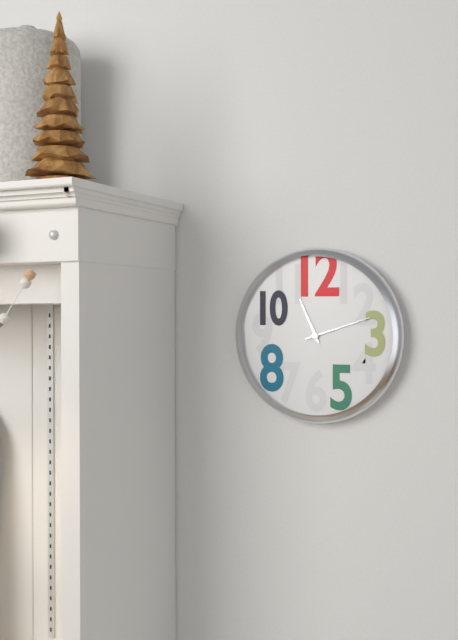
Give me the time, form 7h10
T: 11h12
